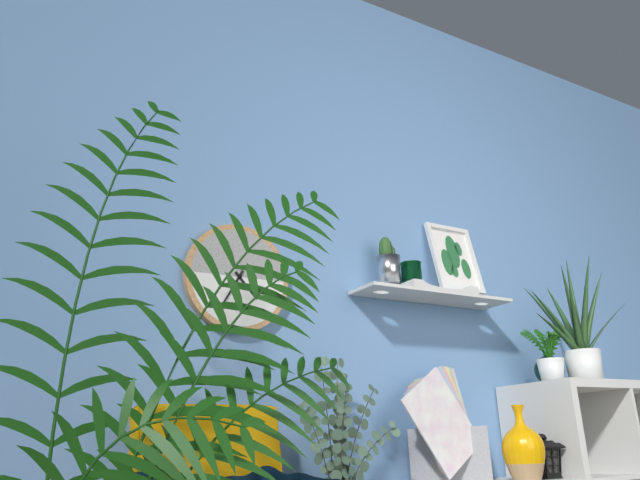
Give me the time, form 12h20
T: 4h35
